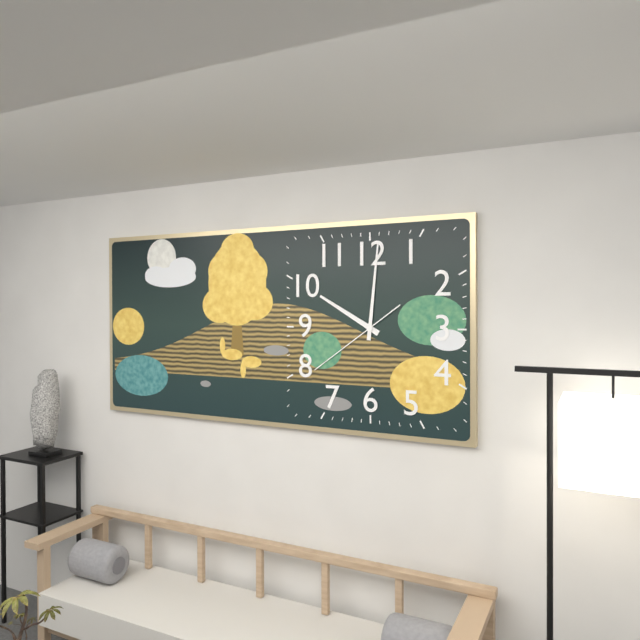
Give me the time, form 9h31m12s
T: 10h01m39s
